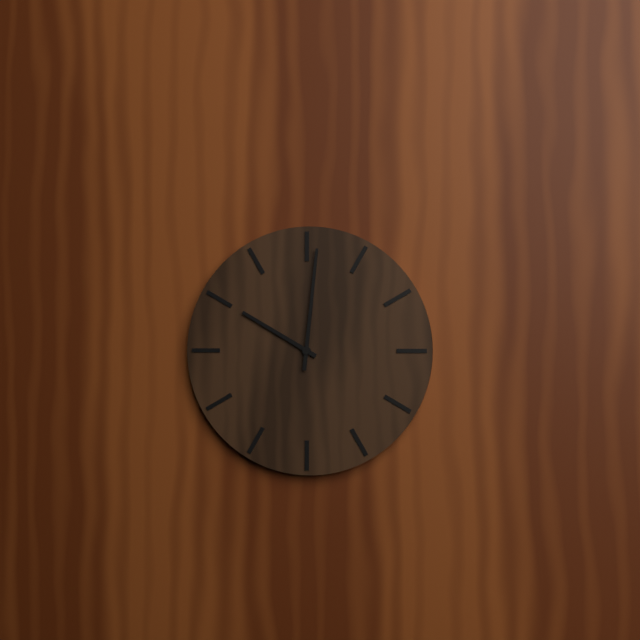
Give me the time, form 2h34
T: 10h01
